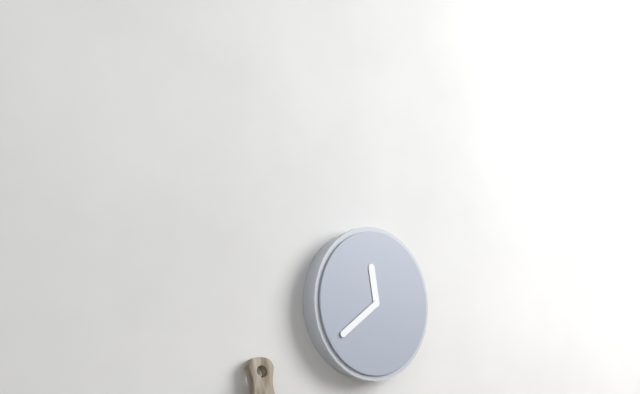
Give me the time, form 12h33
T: 11h39
